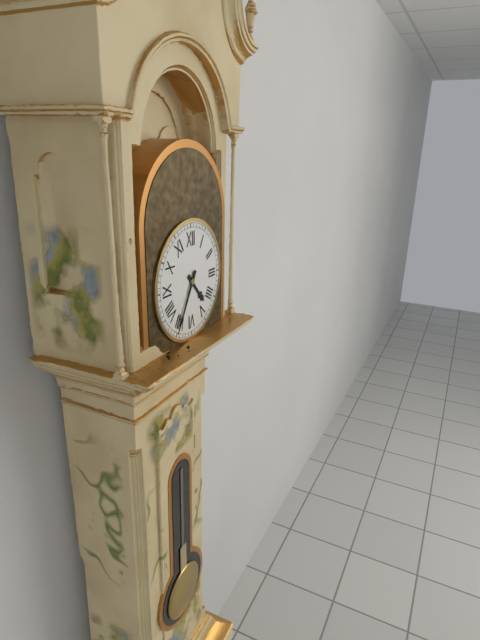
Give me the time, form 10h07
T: 4h35
